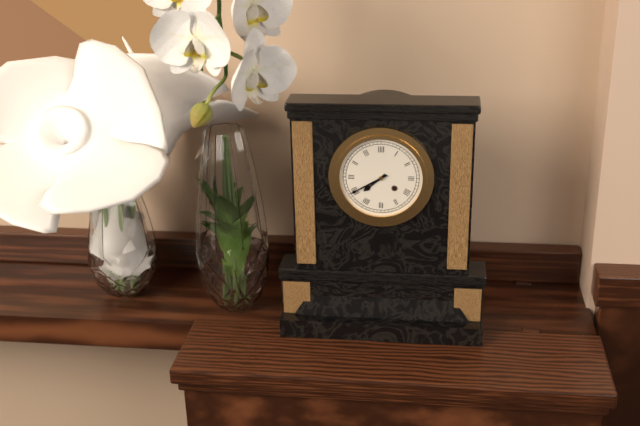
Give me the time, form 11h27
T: 7h40
